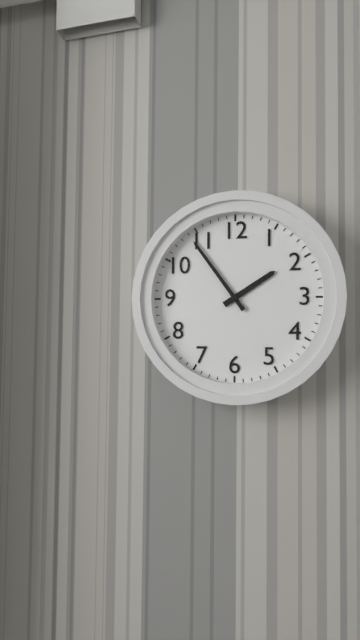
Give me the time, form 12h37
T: 1h54
